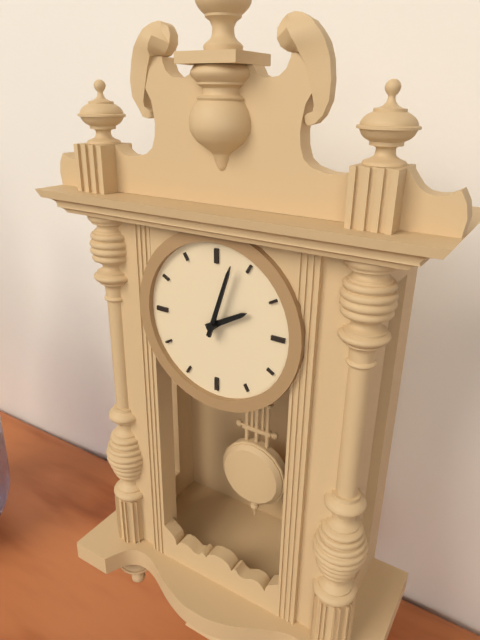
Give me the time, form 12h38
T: 2h03
